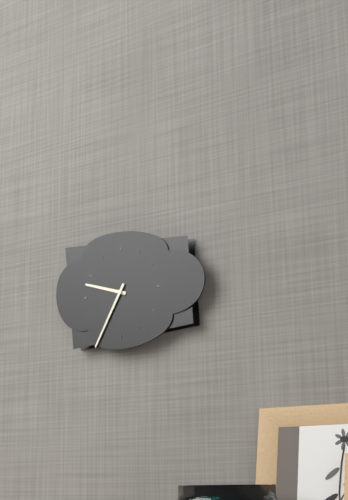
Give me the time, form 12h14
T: 9h35
